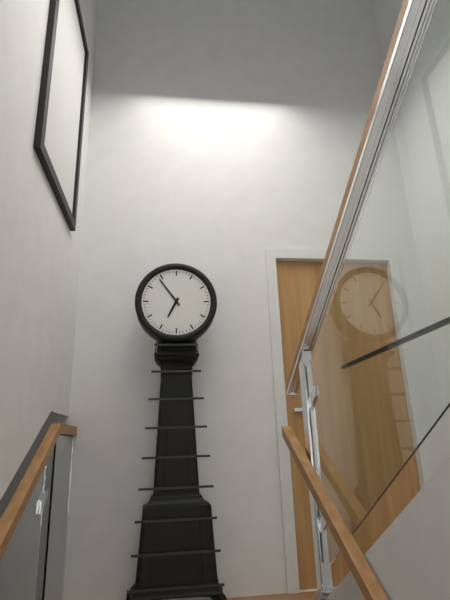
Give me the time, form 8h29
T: 6h54
